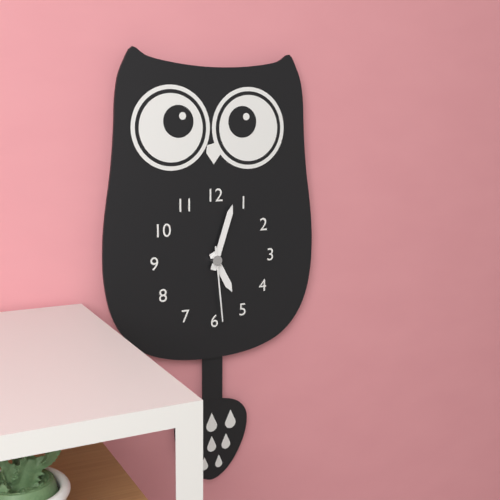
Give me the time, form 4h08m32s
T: 5h03m29s
